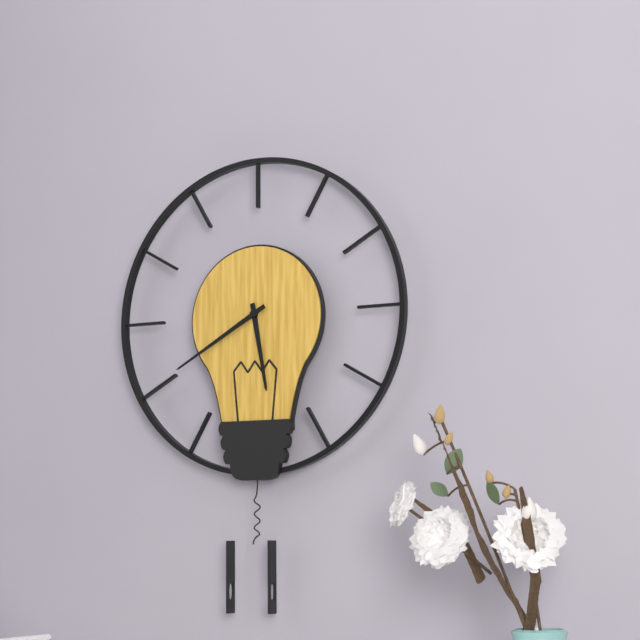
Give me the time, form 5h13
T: 5h40
